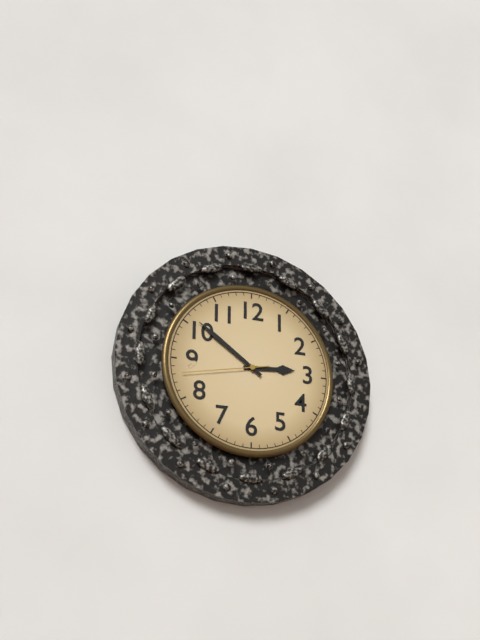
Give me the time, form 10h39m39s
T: 2h51m43s
